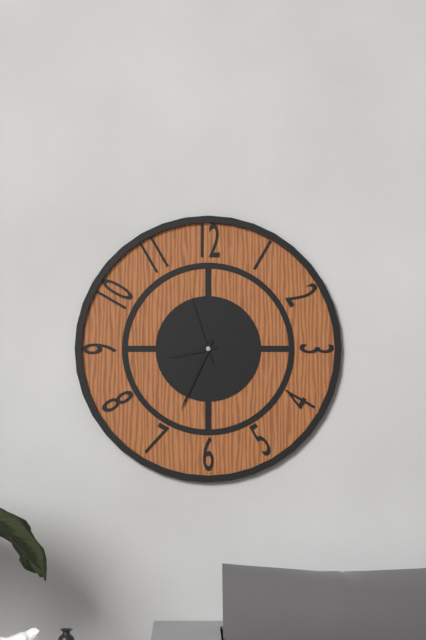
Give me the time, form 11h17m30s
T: 8h34m57s
